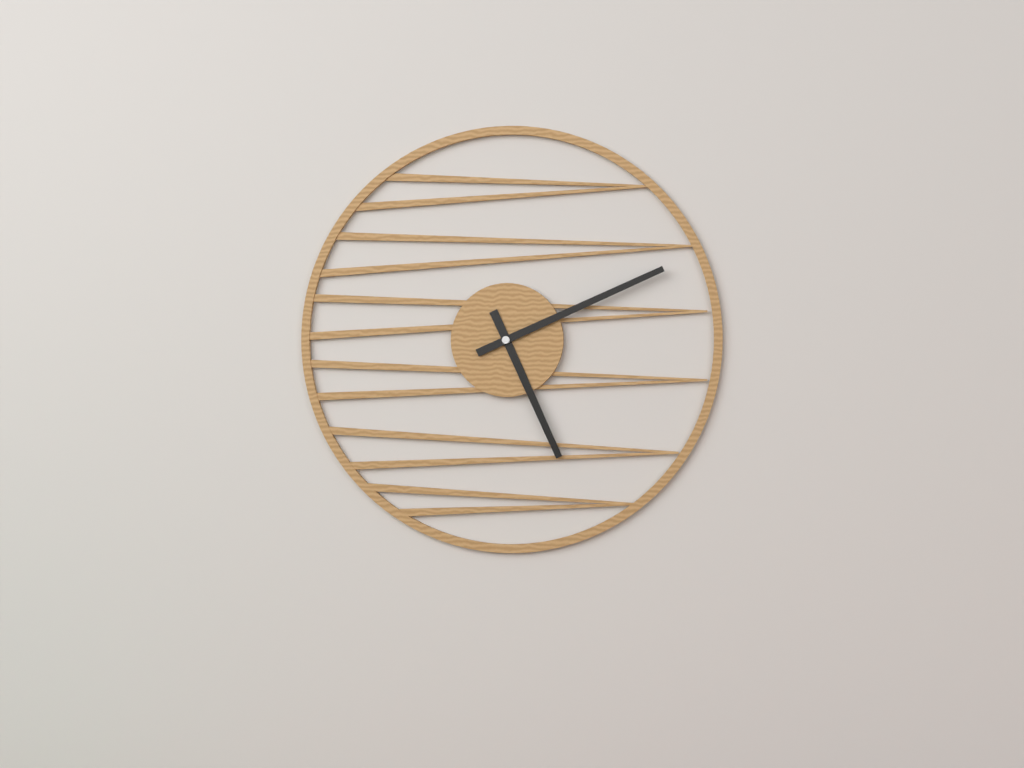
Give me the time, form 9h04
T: 5h11
